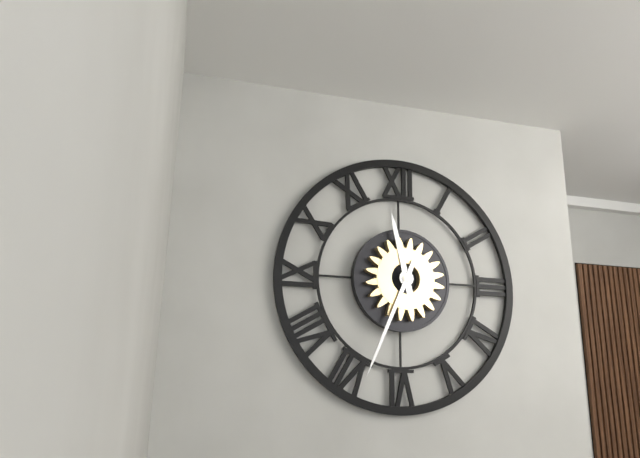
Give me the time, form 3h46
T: 11h34
